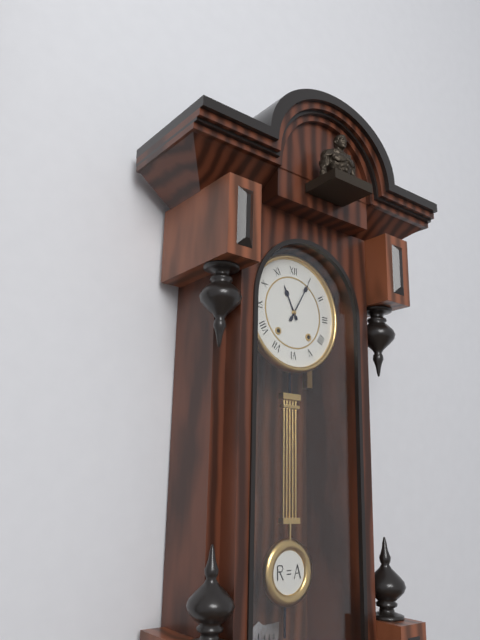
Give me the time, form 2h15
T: 11h05
